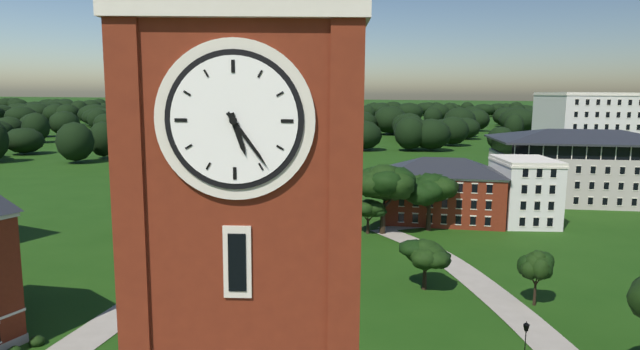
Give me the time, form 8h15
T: 5h24
